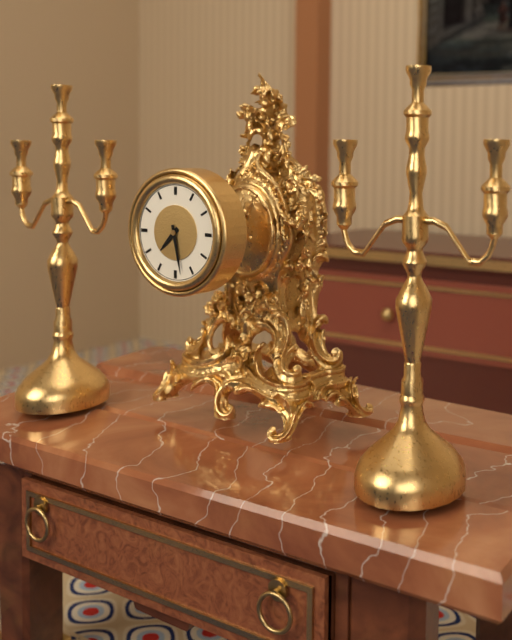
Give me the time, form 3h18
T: 7h28
